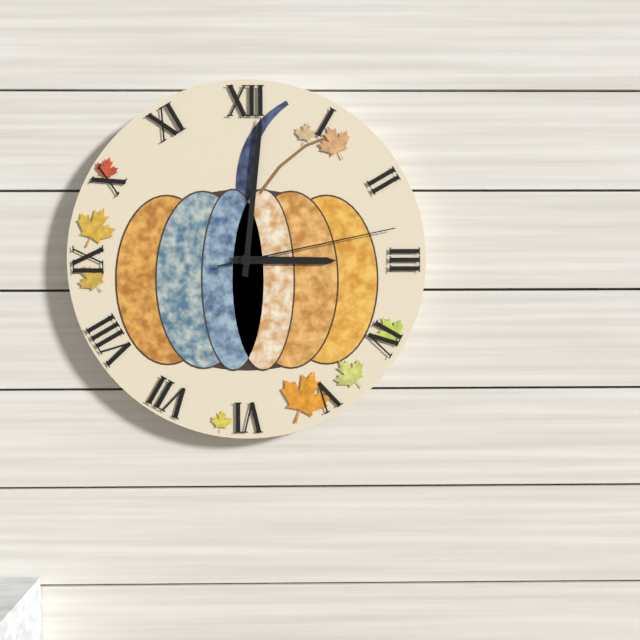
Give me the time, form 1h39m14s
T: 3h01m13s
